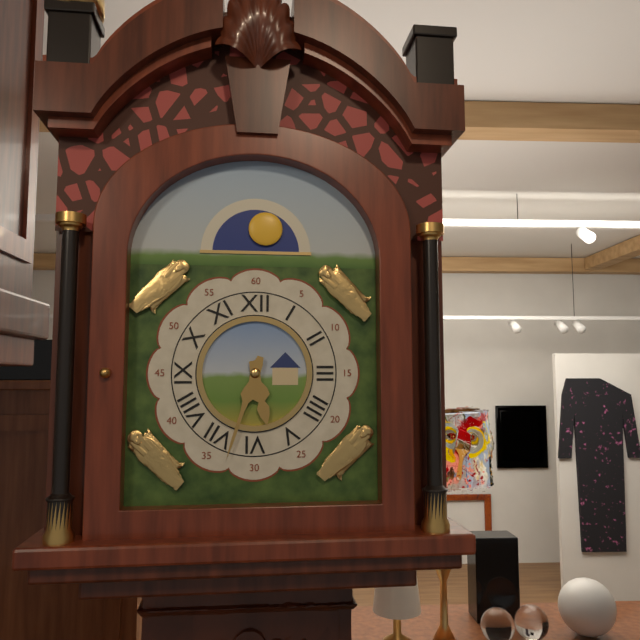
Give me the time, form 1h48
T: 5h33
